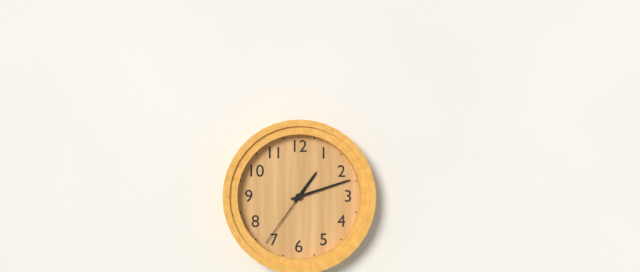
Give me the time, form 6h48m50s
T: 1h12m36s
